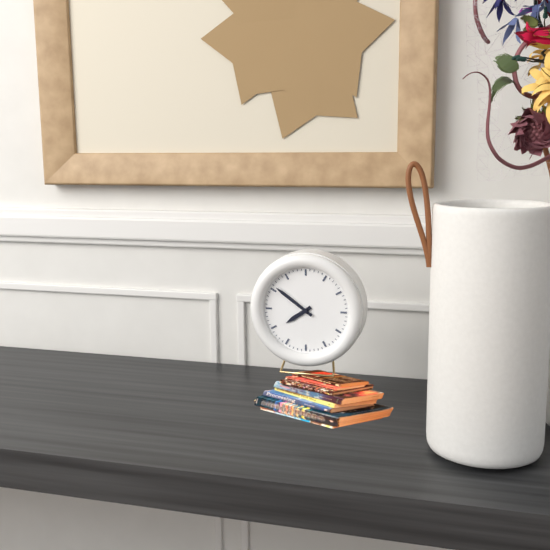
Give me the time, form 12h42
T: 7h51
